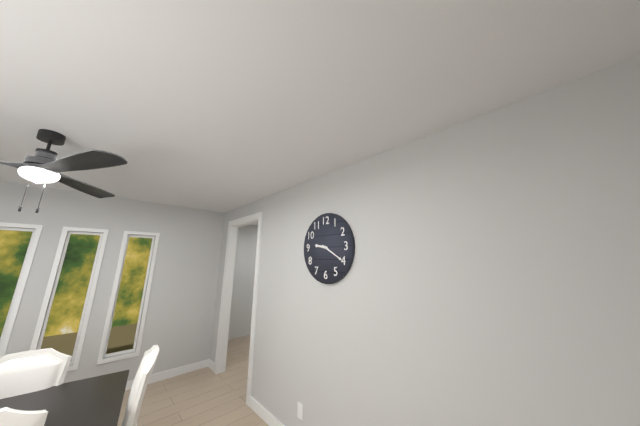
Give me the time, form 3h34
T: 9h20
